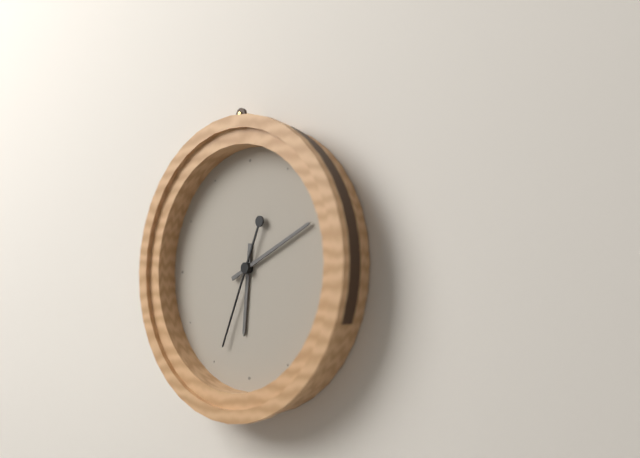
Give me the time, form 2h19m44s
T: 6h11m34s
